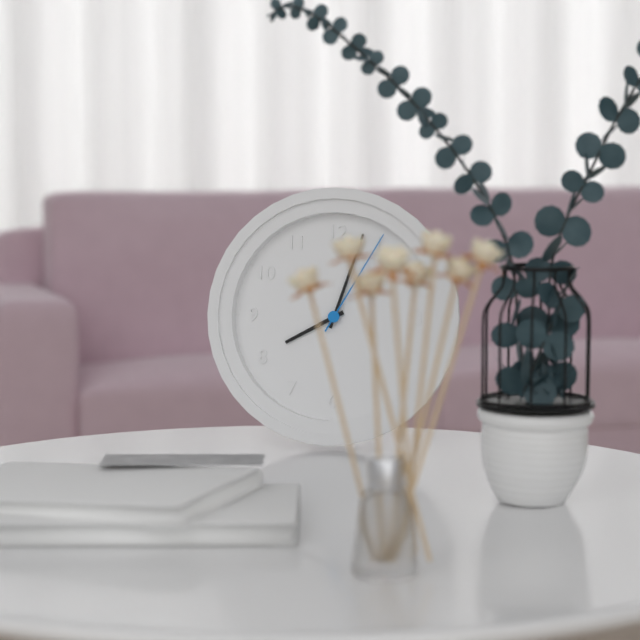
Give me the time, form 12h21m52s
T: 8h03m05s
